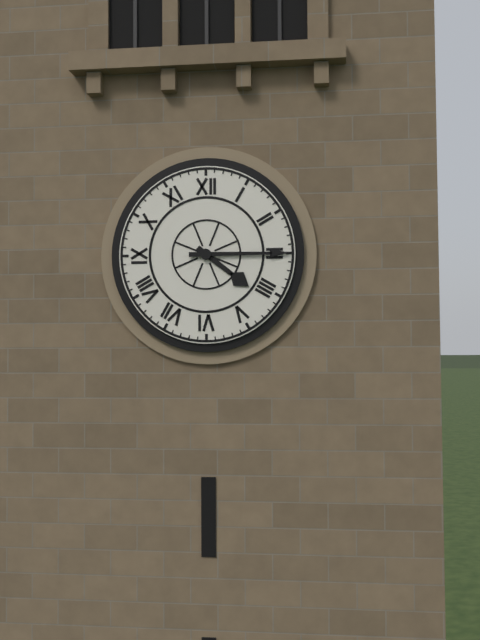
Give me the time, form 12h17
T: 4h15
